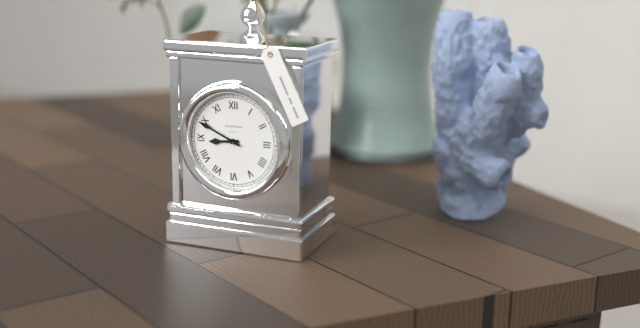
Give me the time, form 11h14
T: 8h49
